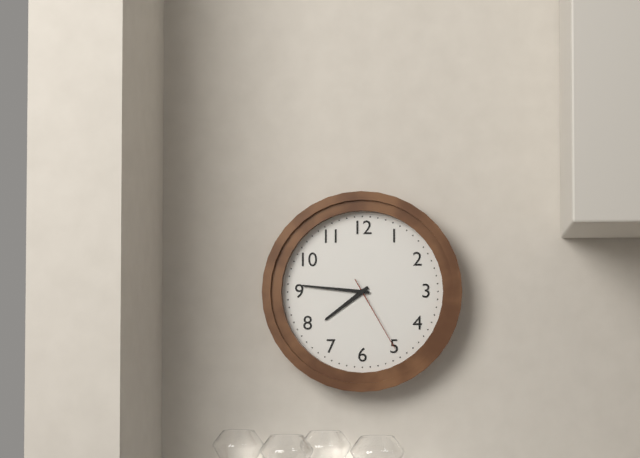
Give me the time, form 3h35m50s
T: 7h46m25s
